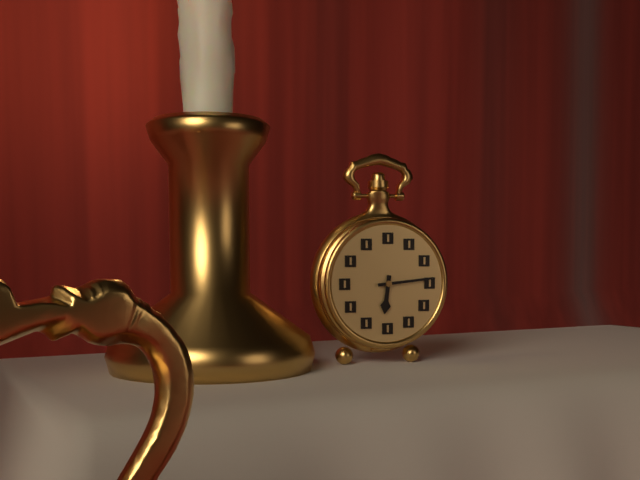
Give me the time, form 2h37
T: 6h14
